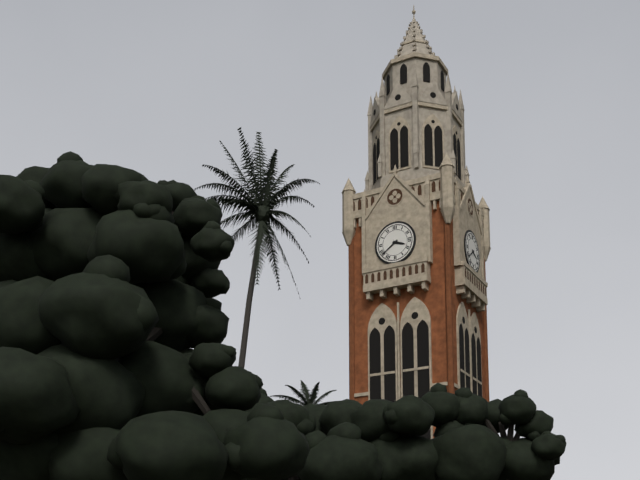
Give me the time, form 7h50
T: 3h39
